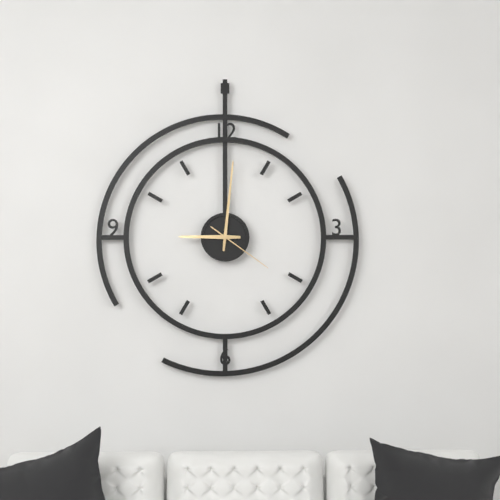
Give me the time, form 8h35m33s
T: 9h01m21s
